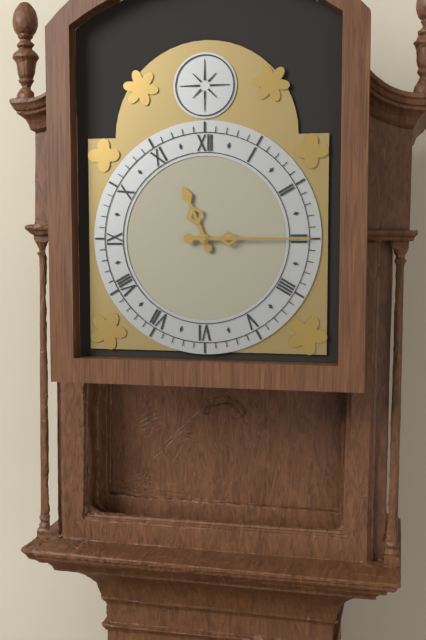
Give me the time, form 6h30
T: 11h15
